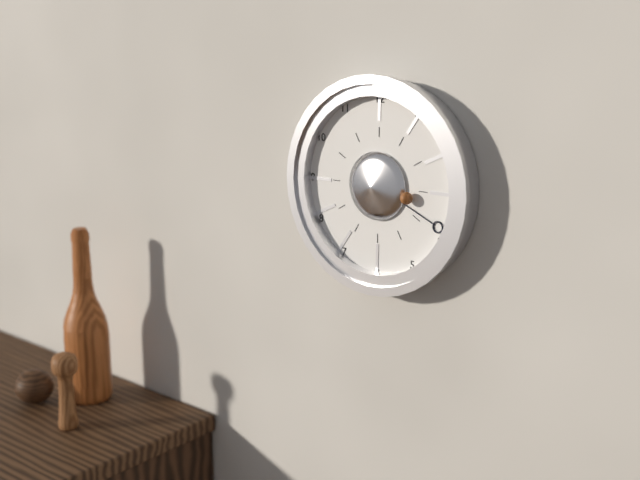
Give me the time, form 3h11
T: 3h19
